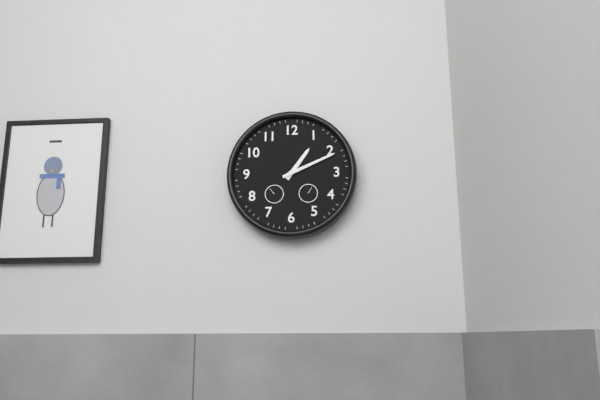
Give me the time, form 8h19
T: 1h11
